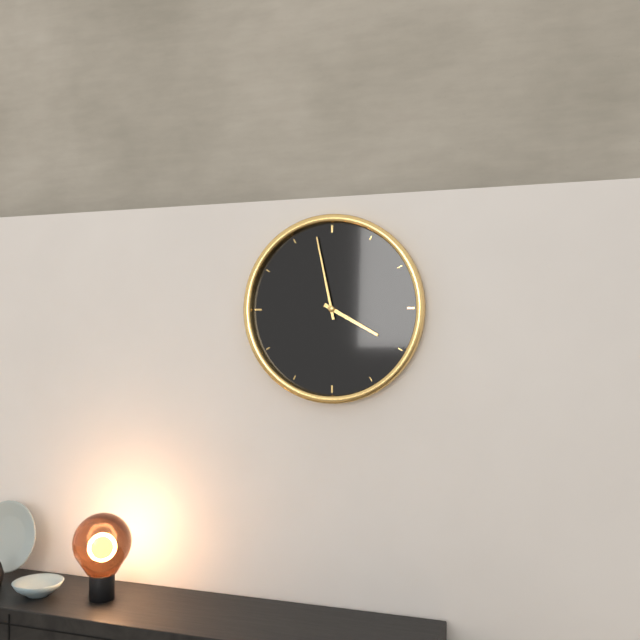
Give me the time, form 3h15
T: 3h58
